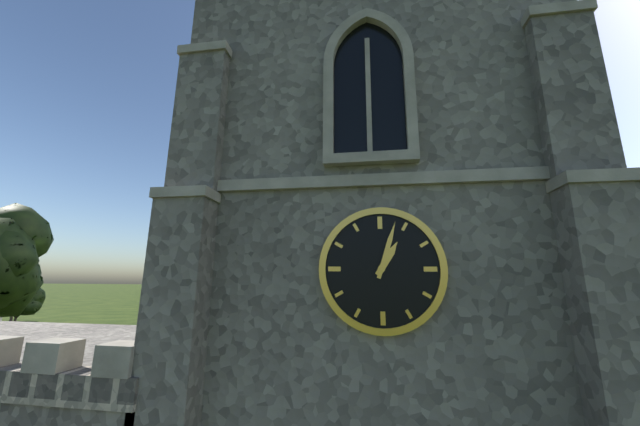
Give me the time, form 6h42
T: 1h03
